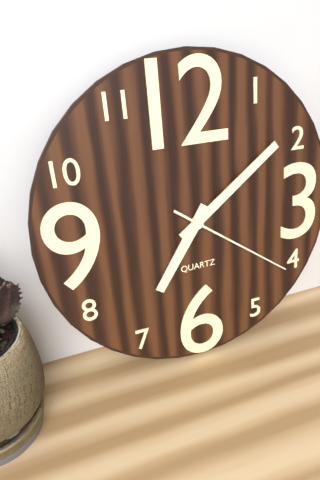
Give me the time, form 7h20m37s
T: 7h09m21s
